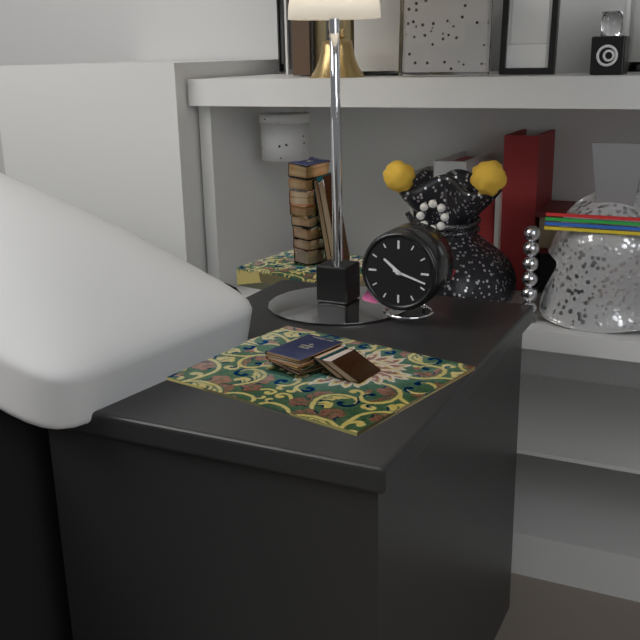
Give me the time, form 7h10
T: 10h18
